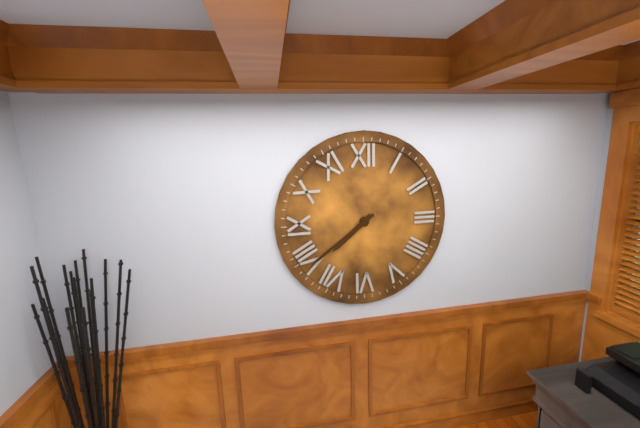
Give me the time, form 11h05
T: 7h39
